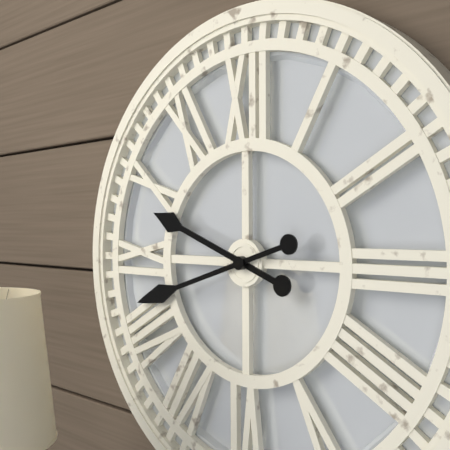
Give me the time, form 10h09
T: 9h42
